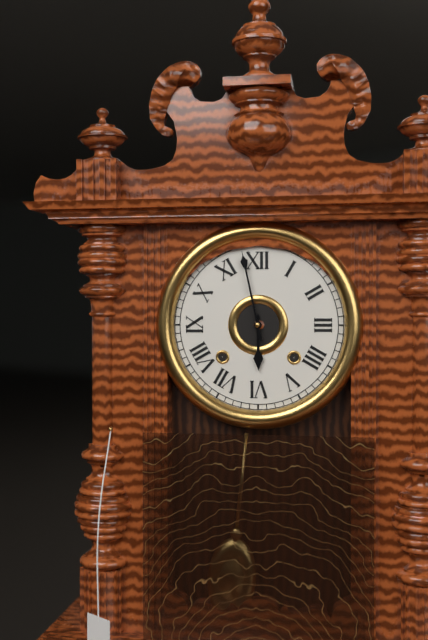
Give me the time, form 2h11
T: 5h58
